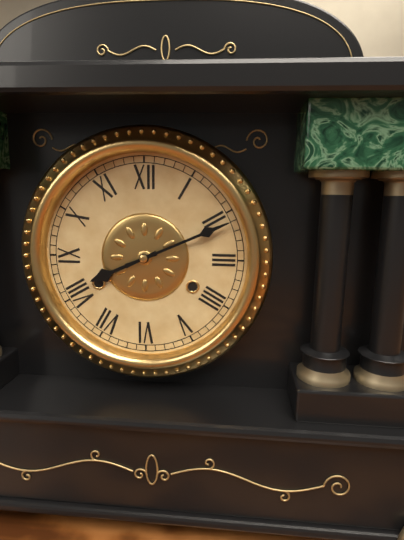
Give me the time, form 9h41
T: 8h11
